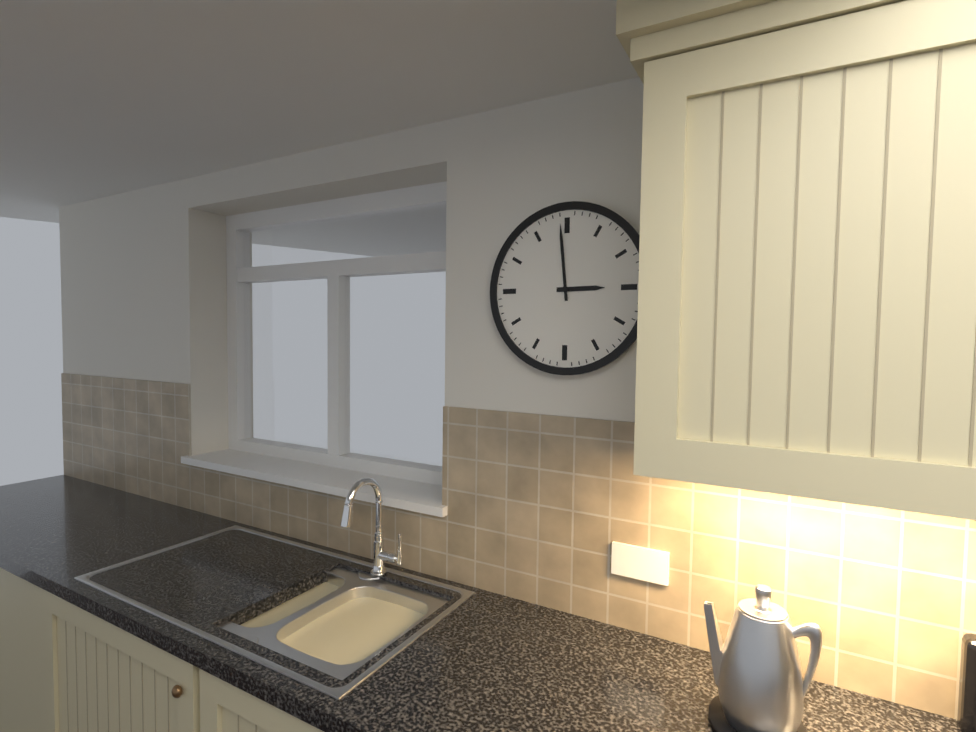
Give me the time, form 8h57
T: 2h59
